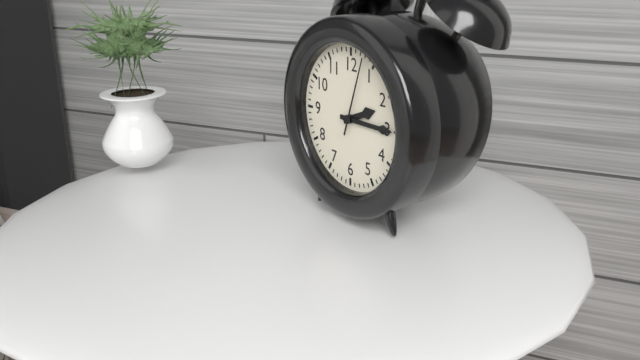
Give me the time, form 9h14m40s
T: 2h15m03s
